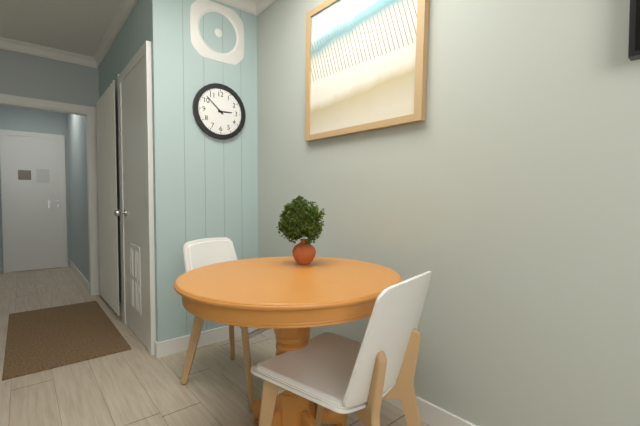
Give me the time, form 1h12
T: 2h52
